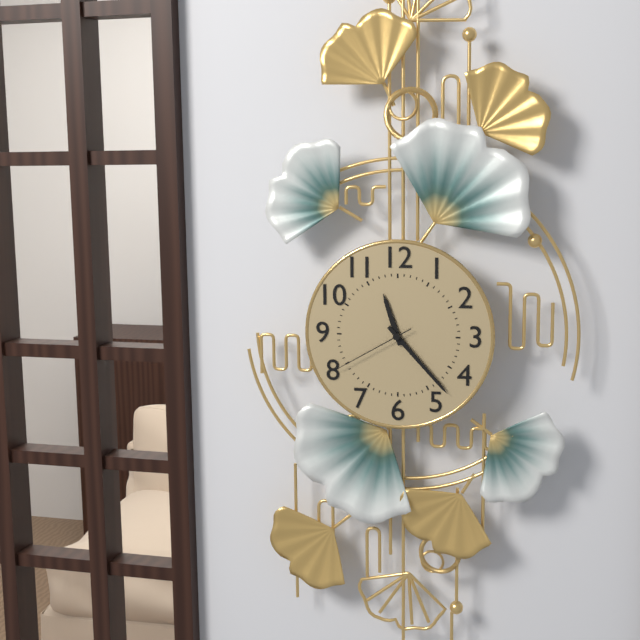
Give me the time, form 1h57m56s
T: 11h23m40s
